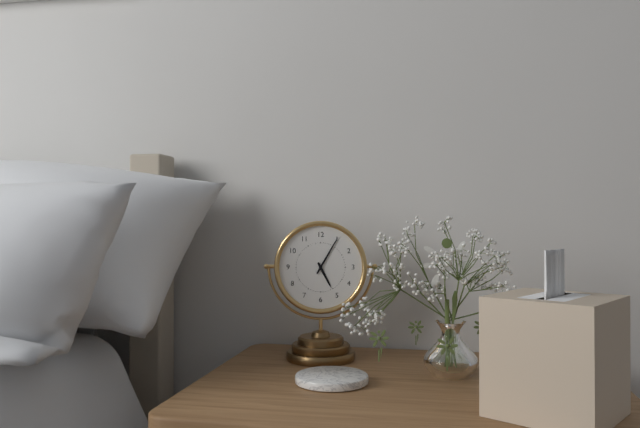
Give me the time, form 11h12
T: 5h05
